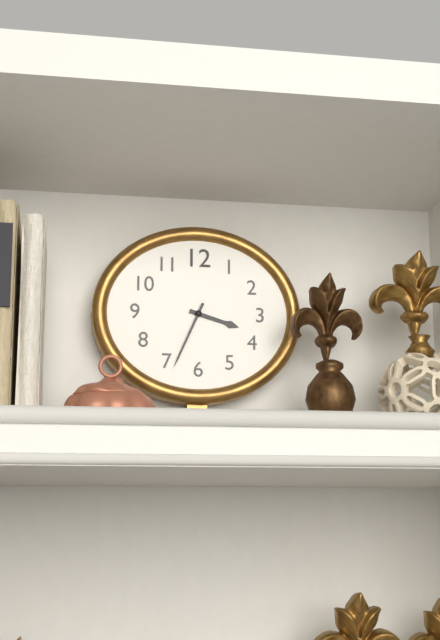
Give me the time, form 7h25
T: 3h34
